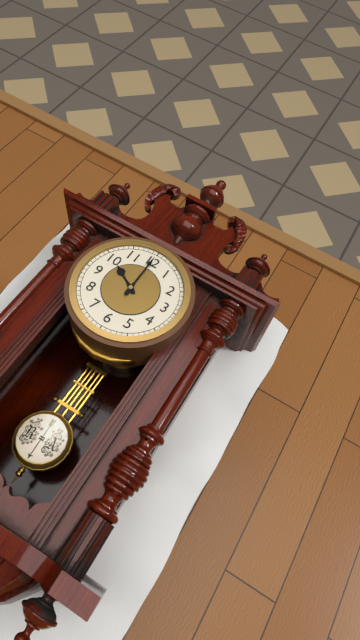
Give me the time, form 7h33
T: 10h00
